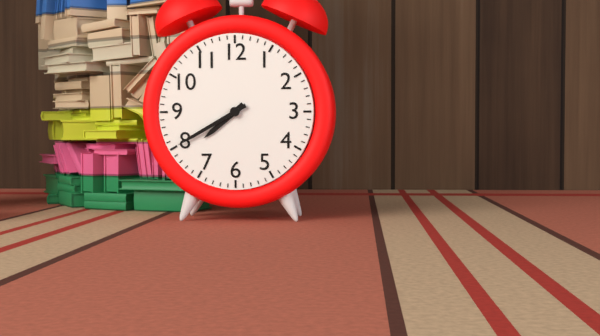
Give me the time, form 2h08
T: 7h40
